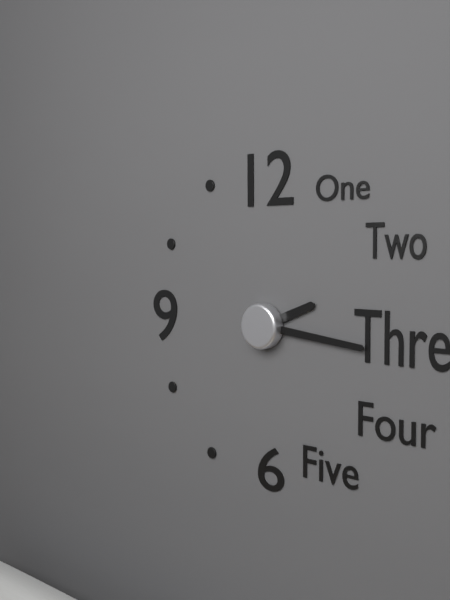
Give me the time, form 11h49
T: 2h16
